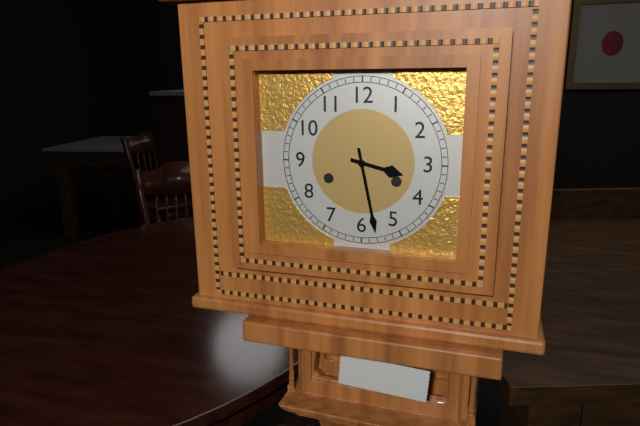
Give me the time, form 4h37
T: 3h28
